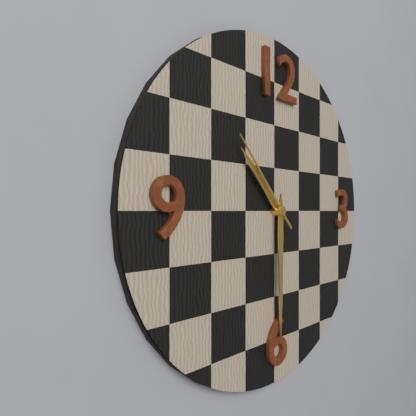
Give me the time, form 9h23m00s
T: 10h30m53s
